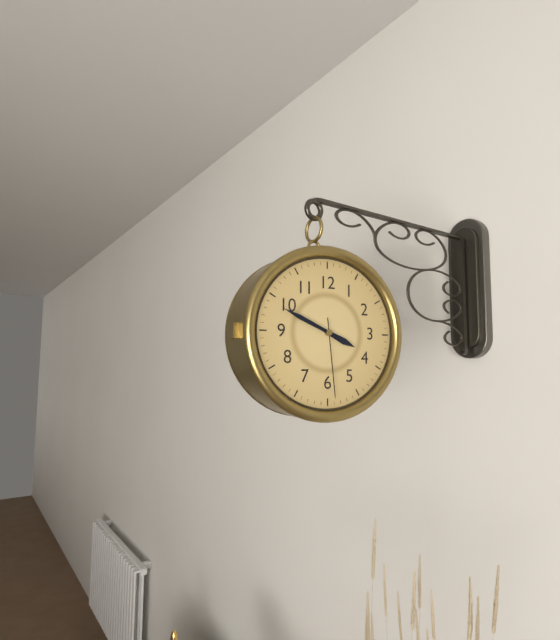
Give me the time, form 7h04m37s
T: 3h49m29s
